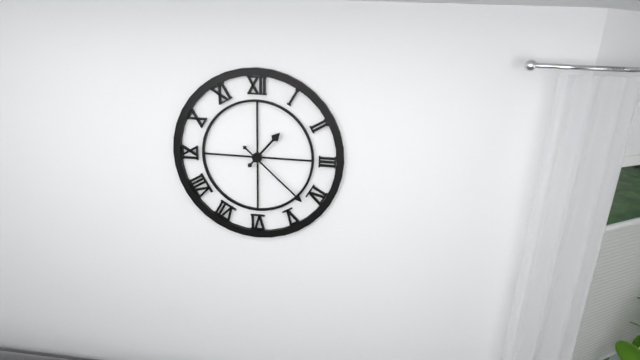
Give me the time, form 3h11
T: 1h22
